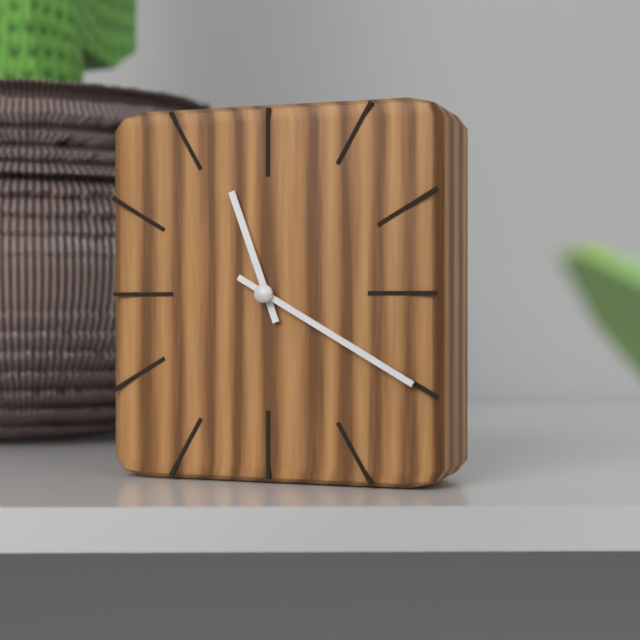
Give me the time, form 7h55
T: 11h20
